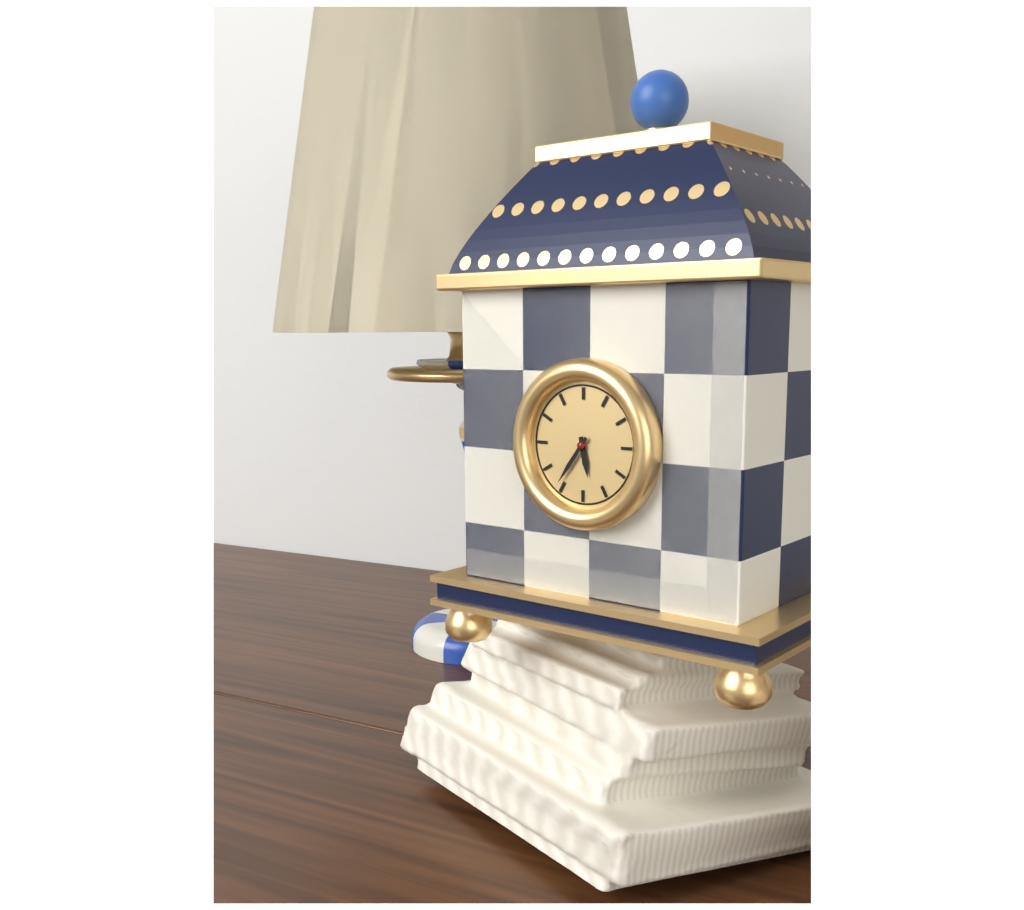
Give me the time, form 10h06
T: 5h36
